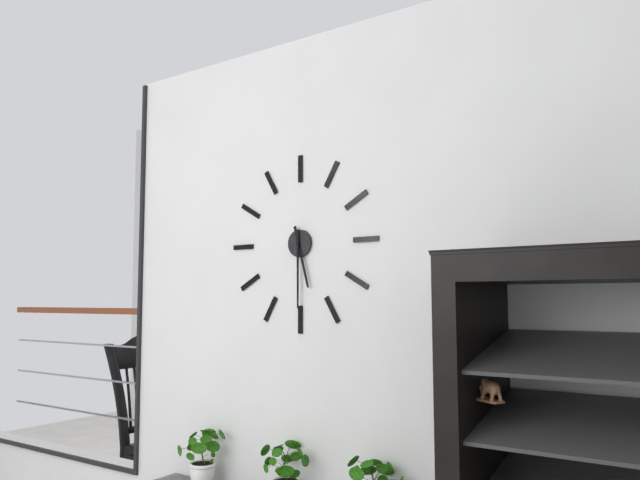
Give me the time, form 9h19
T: 5h30
